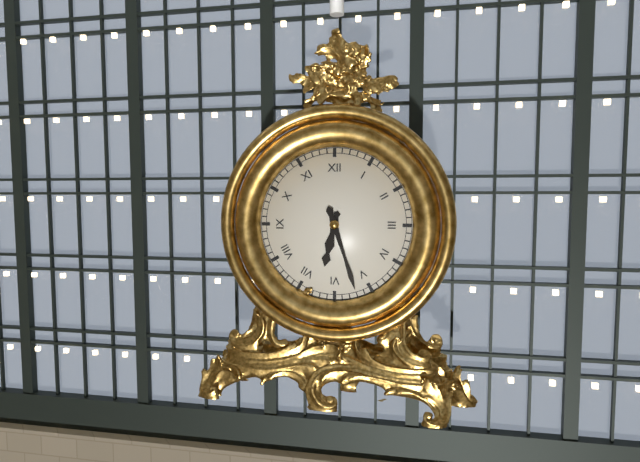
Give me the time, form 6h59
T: 6h27
